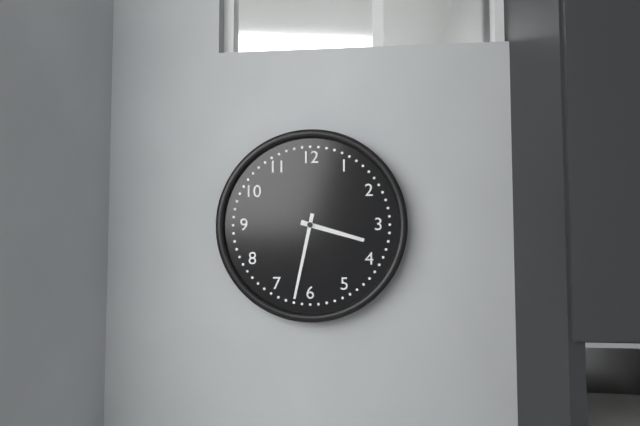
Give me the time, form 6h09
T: 3h32
